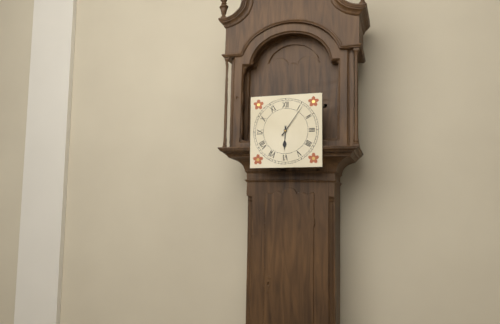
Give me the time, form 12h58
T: 6h06
